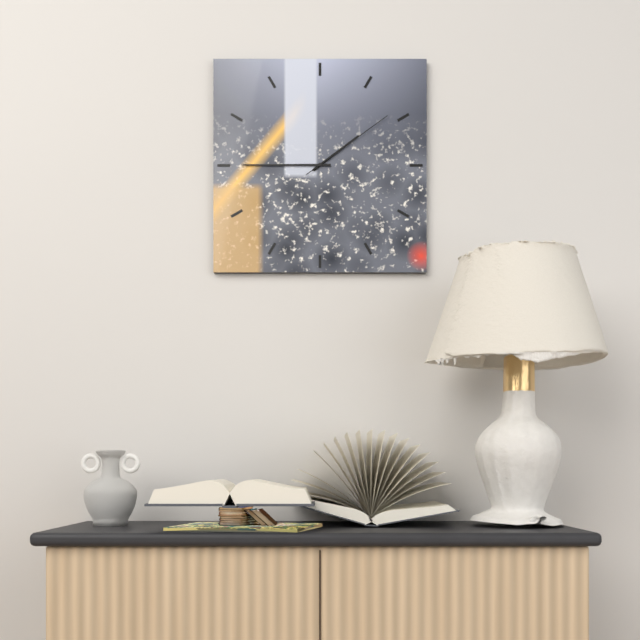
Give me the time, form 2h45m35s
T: 1h45m09s
